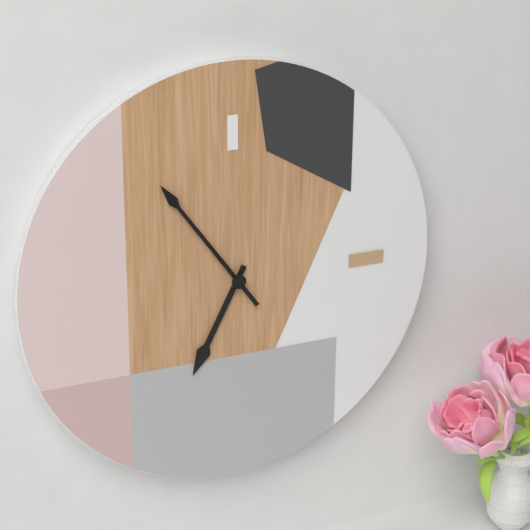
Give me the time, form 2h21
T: 6h54
